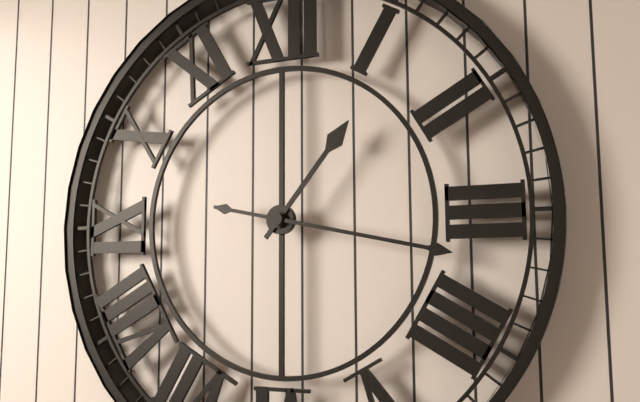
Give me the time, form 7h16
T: 1h17
